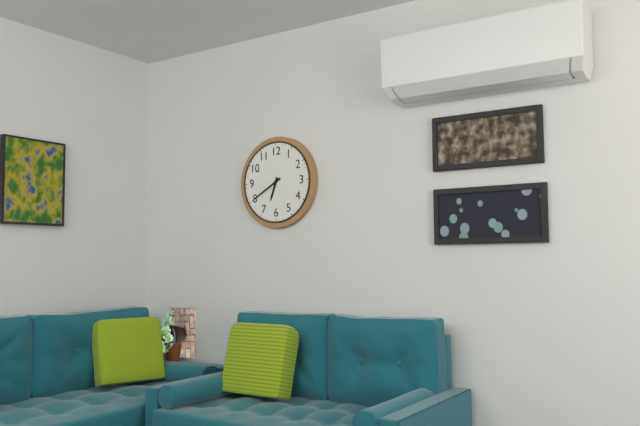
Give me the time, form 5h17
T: 6h40
